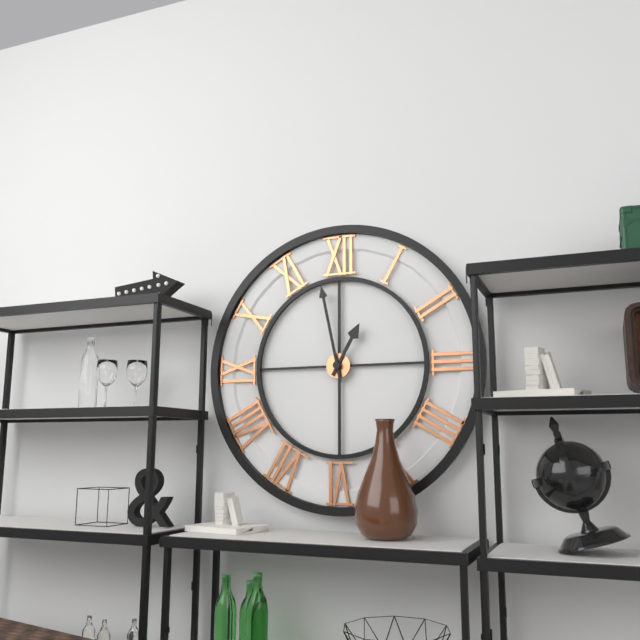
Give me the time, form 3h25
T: 12h58
